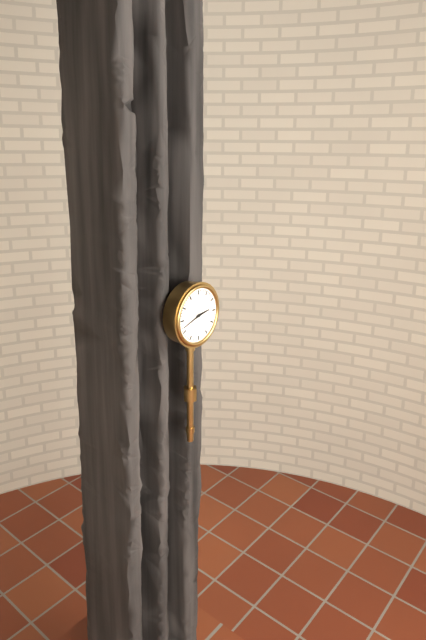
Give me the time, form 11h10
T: 2h42
